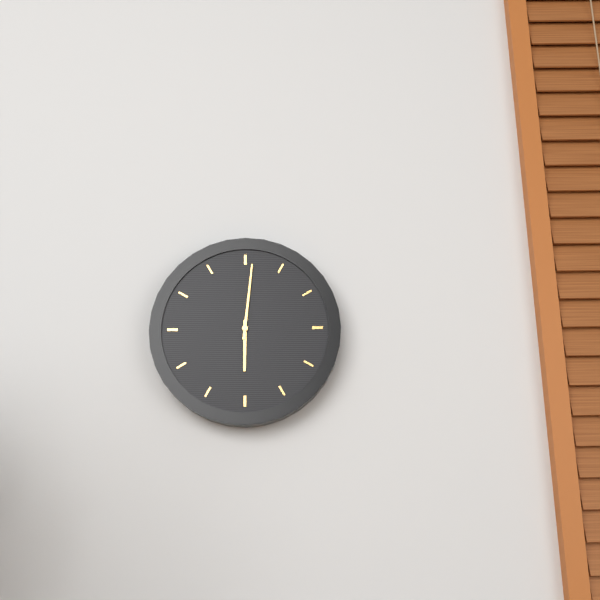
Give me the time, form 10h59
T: 6h01
